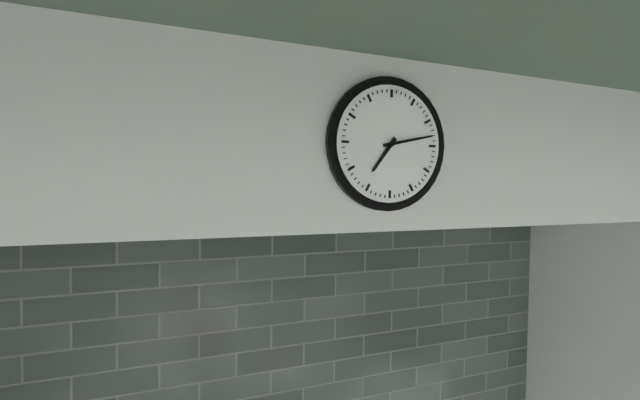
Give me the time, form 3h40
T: 7h13
